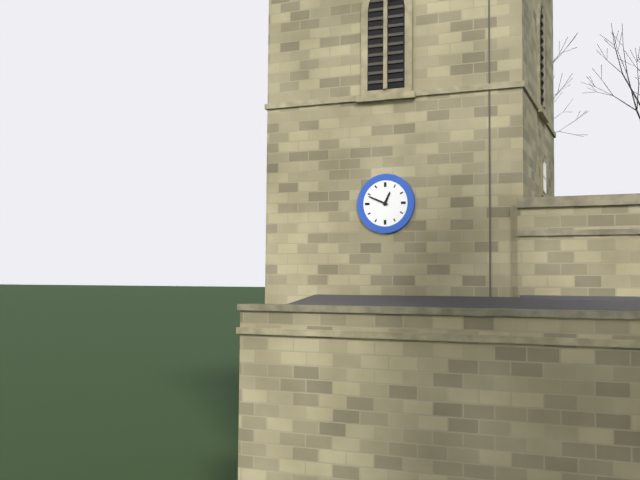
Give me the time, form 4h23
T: 12h49
